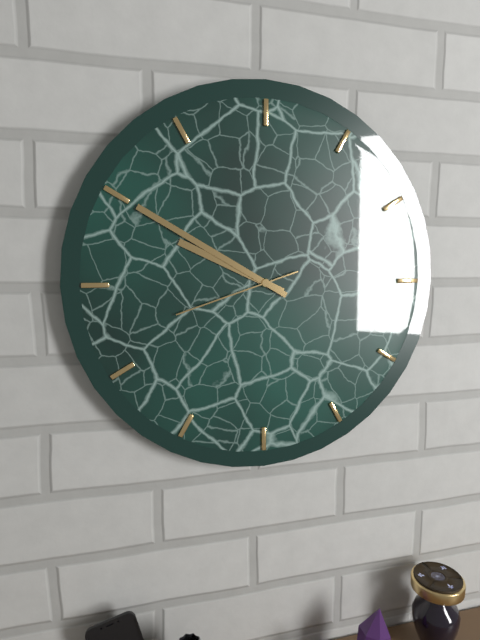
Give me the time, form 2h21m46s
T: 9h50m42s
